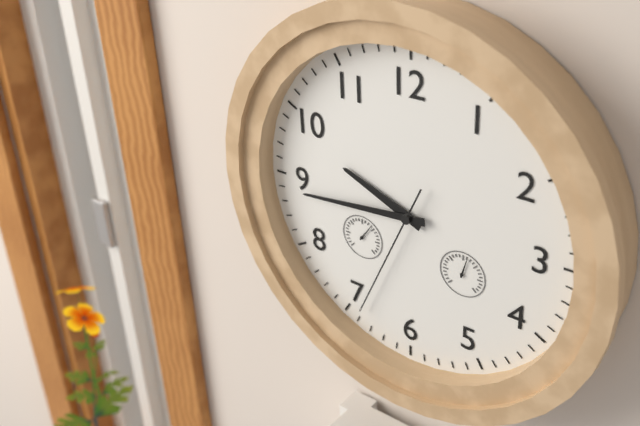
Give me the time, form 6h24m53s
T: 9h44m34s
